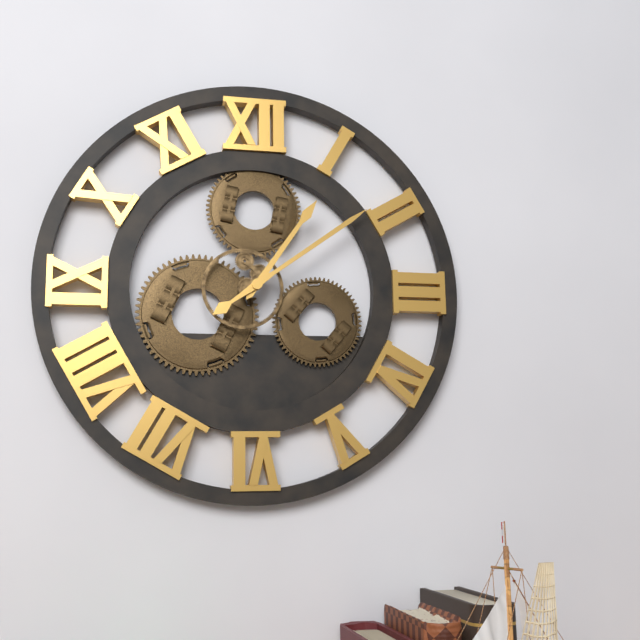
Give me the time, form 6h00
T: 1h09
